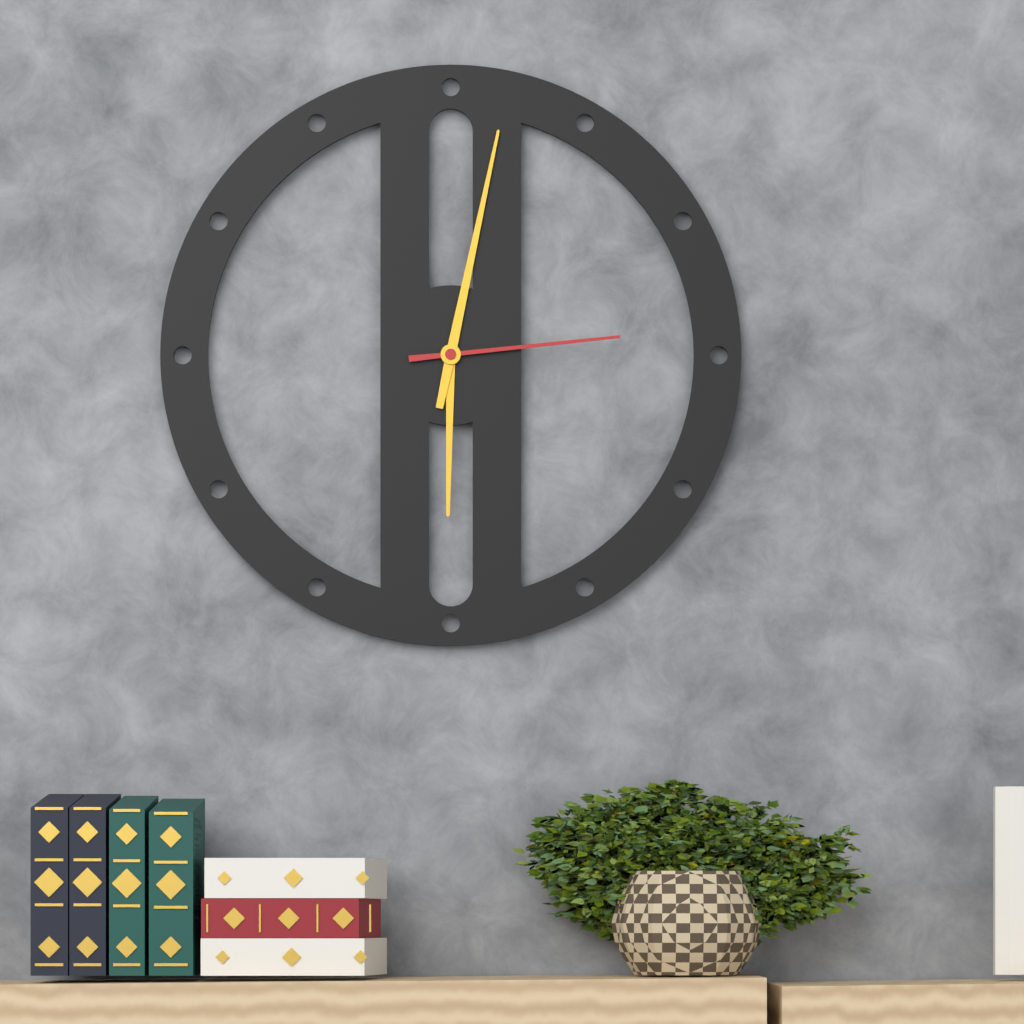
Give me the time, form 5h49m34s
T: 6h02m14s
